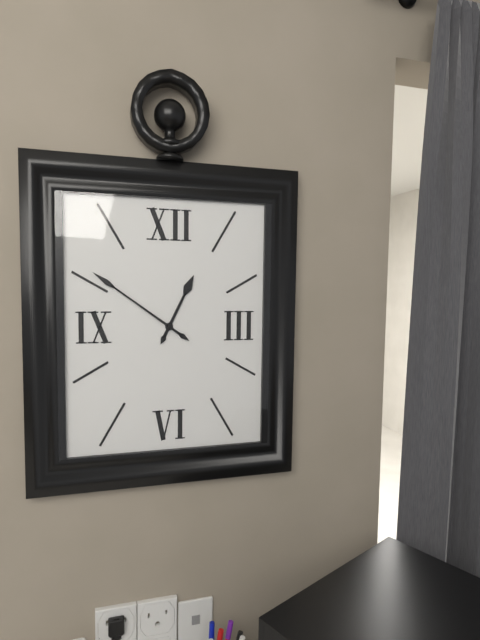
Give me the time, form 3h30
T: 12h51
